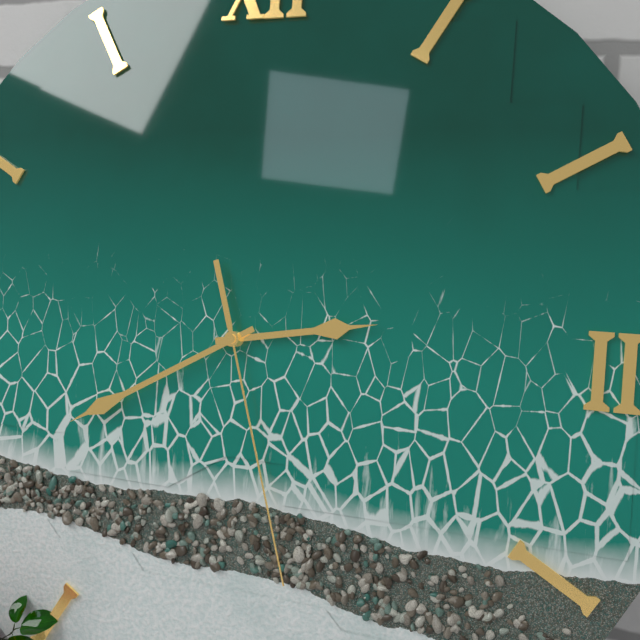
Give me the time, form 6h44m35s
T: 2h40m27s
